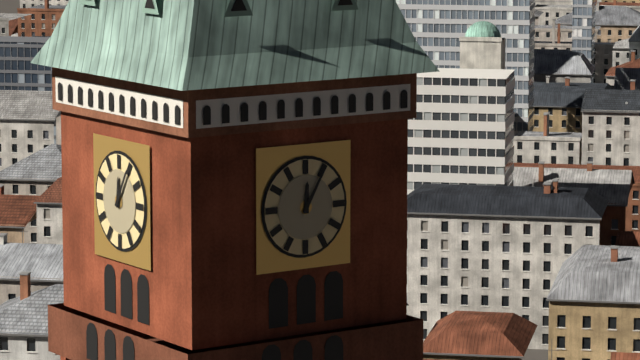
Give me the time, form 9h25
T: 12h05
